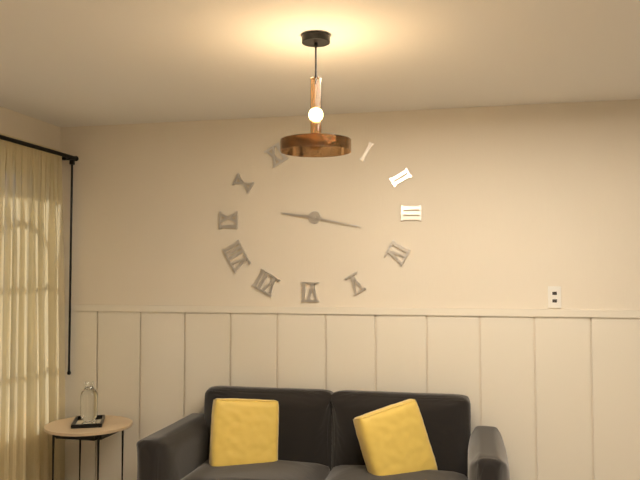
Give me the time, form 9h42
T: 9h17
